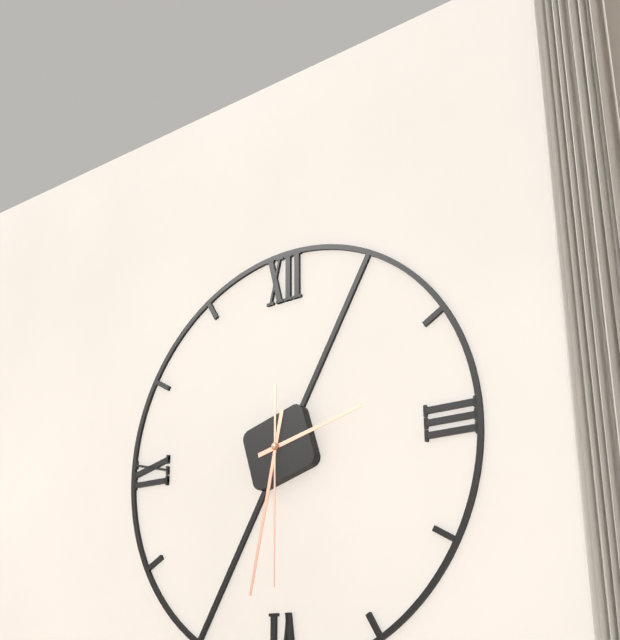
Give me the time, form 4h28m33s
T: 2h32m30s
